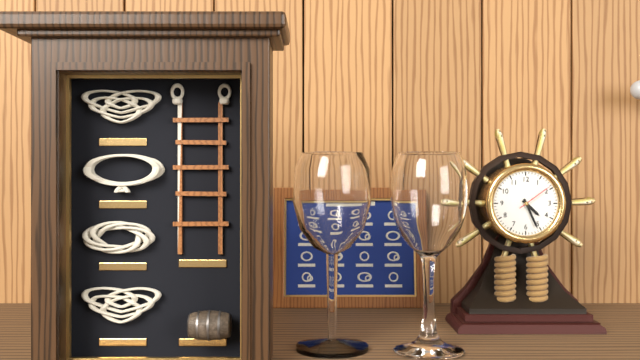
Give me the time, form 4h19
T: 4h26
